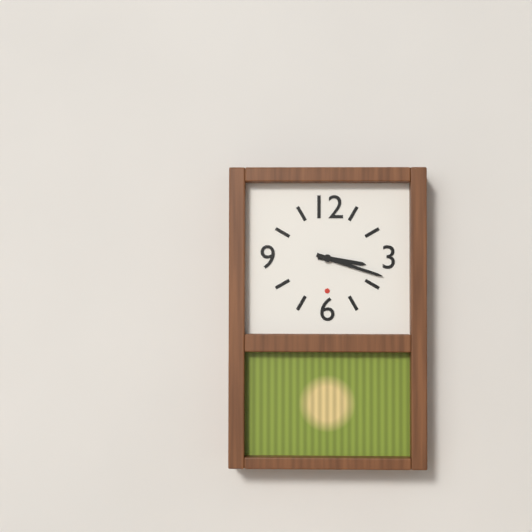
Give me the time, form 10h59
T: 3h18
